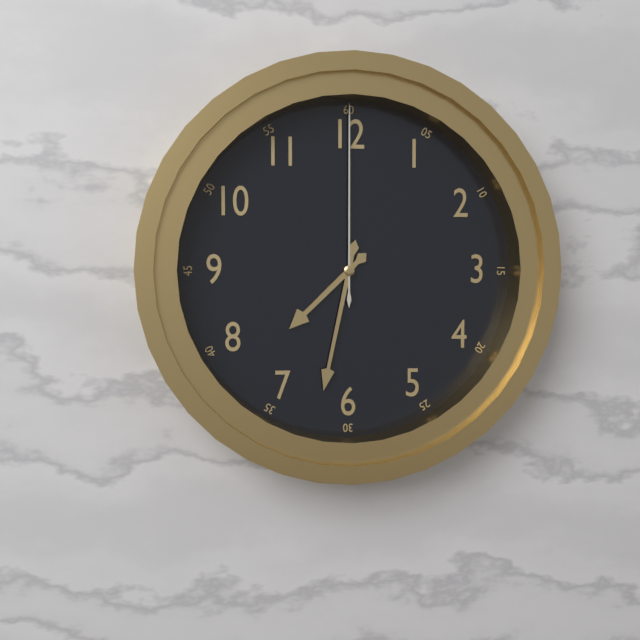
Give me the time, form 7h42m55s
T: 7h32m00s
